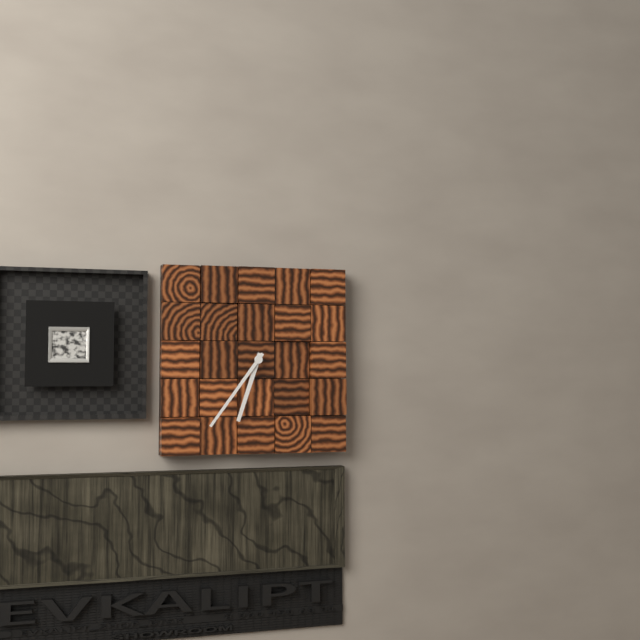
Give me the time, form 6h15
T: 6h36
